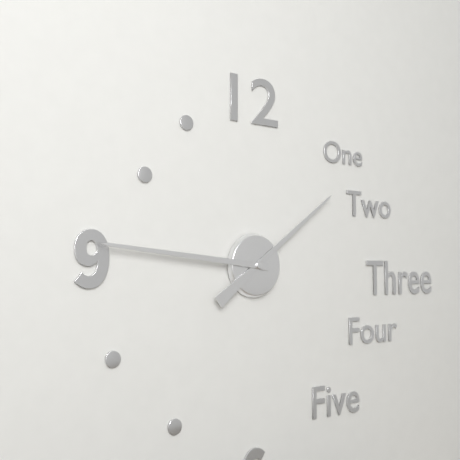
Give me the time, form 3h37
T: 1h46
